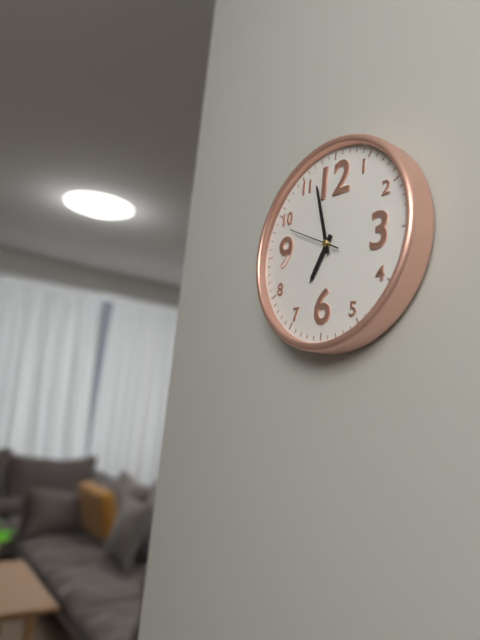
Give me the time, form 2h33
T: 6h57
